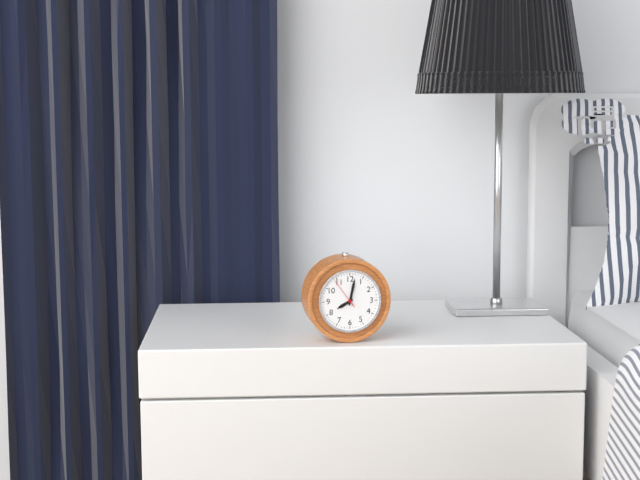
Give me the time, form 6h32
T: 8h02
